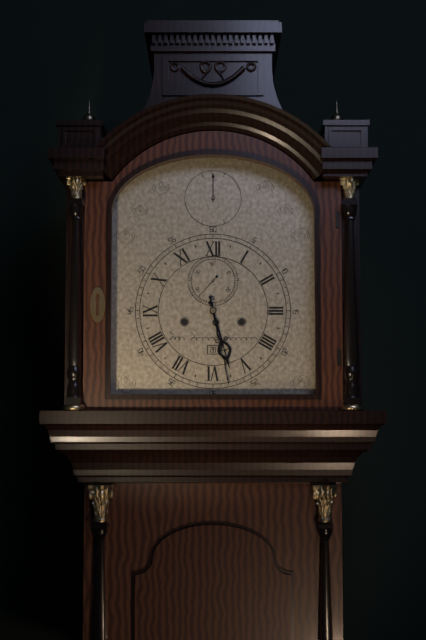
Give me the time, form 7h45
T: 5h28
